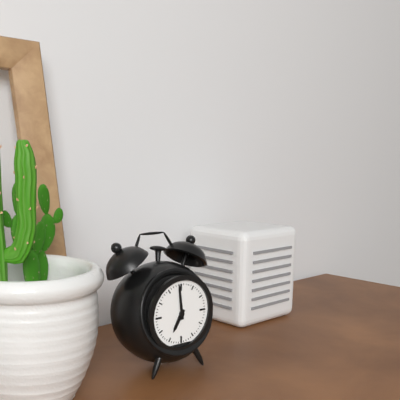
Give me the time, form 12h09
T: 6h59
